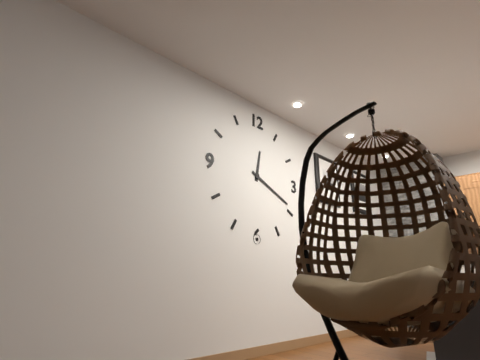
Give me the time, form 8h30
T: 12h19
